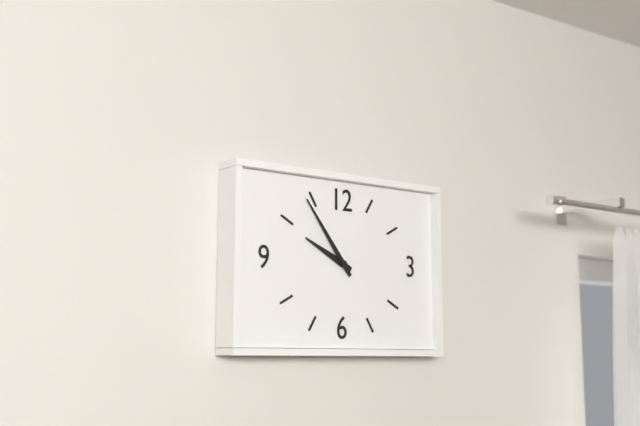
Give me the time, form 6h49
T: 9h54
